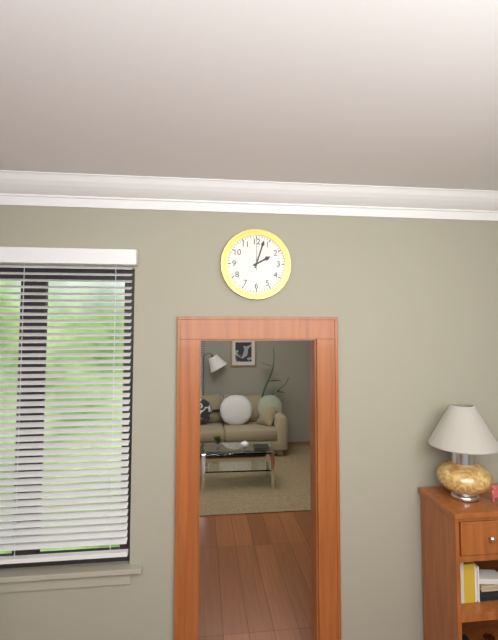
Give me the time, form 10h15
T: 2h03
